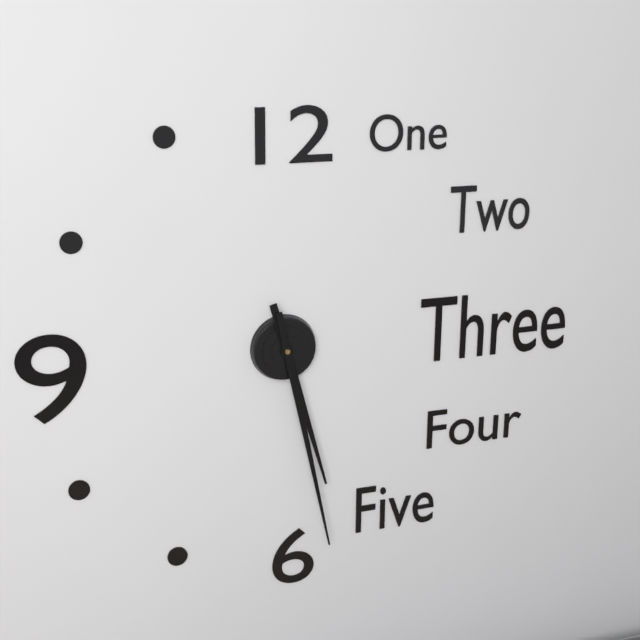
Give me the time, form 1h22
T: 5h28
